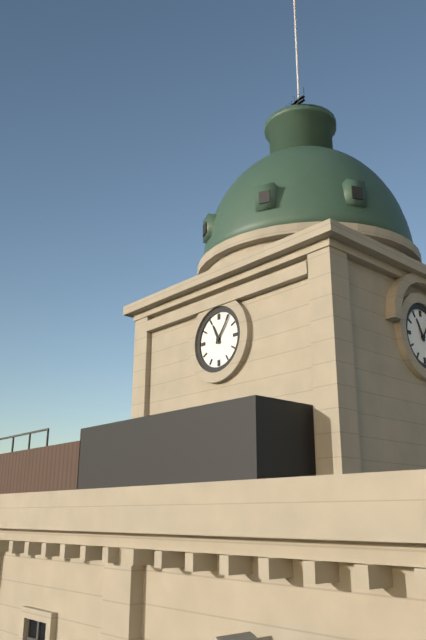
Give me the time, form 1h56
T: 11h06
